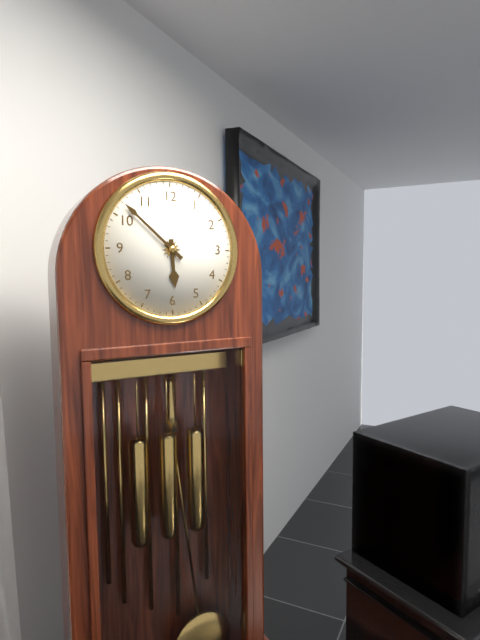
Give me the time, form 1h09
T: 5h52
